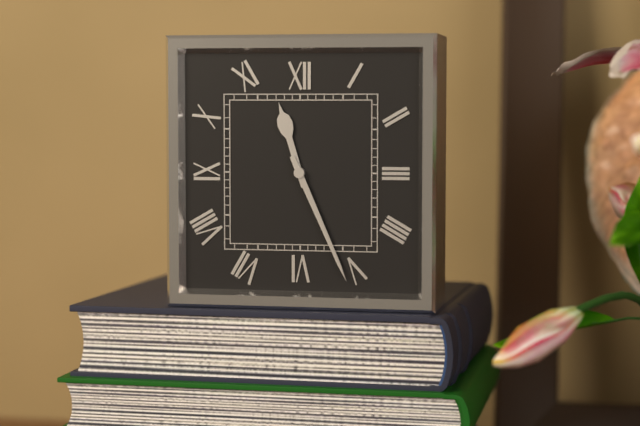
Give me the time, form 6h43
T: 11h26
